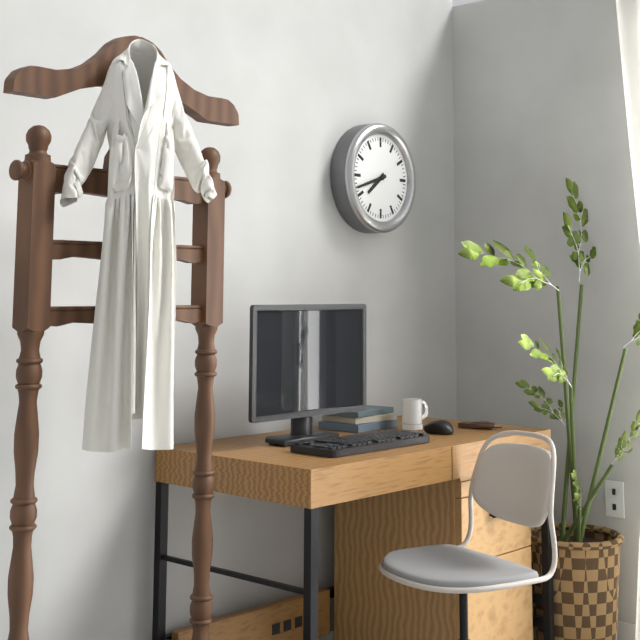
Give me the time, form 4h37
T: 7h42
